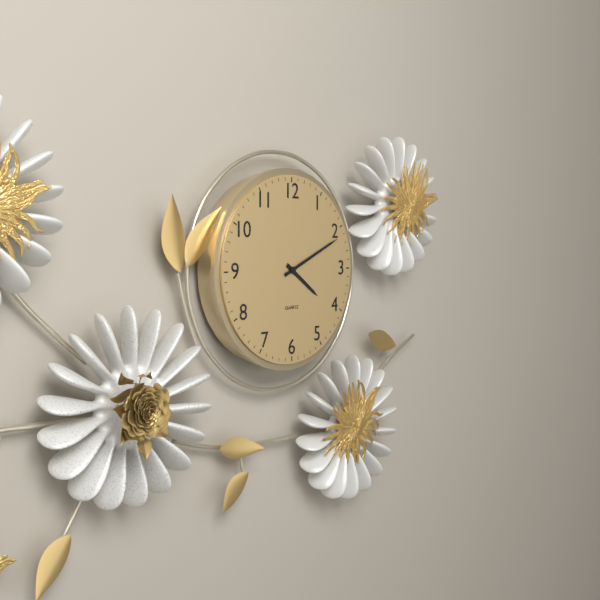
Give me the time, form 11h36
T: 4h11
